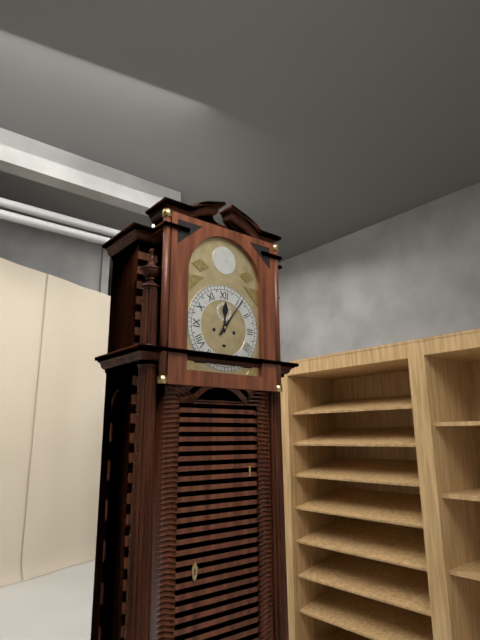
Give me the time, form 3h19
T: 12h06
